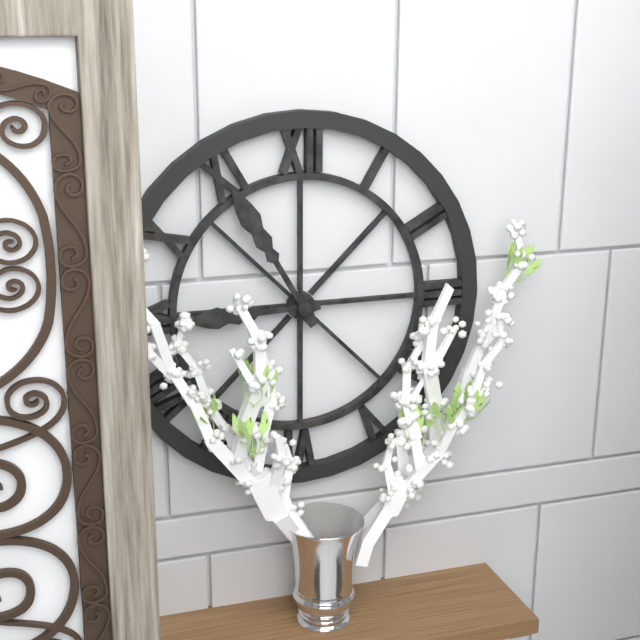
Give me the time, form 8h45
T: 8h55
